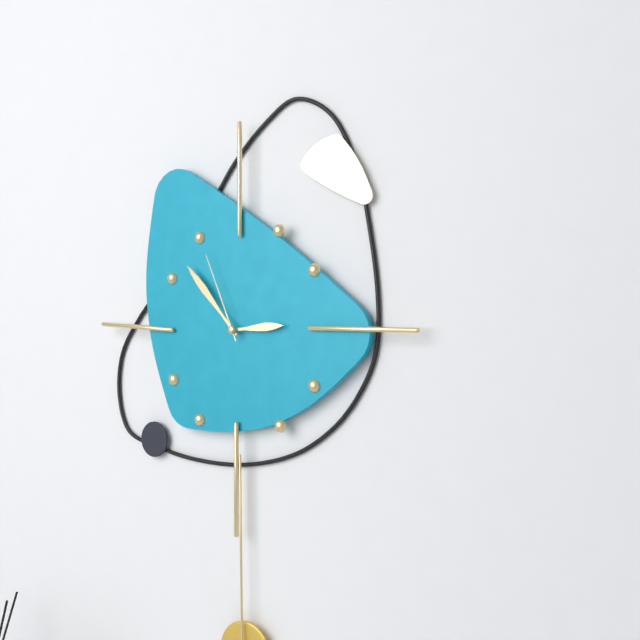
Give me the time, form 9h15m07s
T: 2h53m56s
